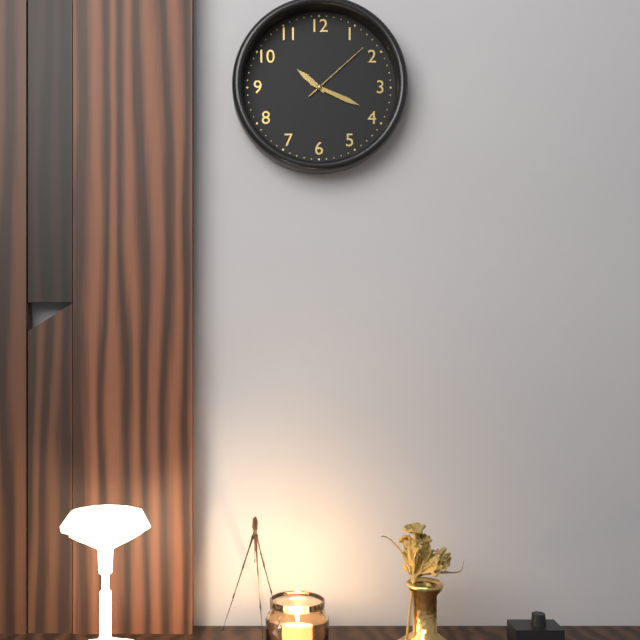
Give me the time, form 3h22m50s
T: 10h19m08s
